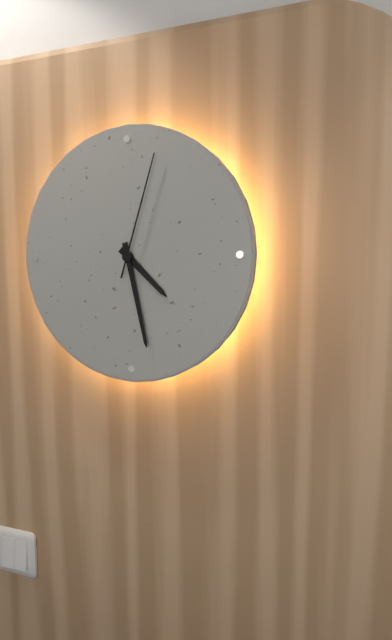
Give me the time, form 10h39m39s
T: 4h28m03s
